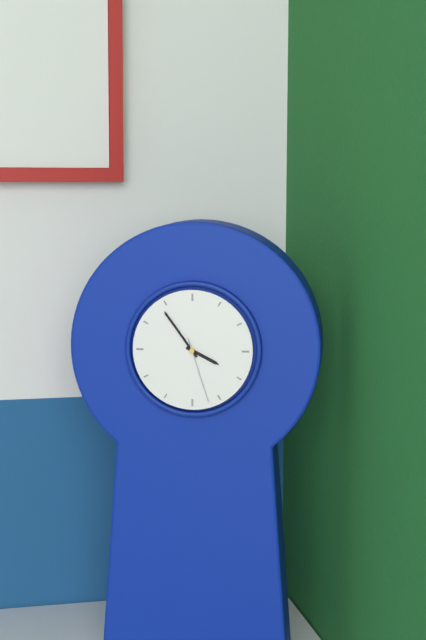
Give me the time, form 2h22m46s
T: 3h54m27s
